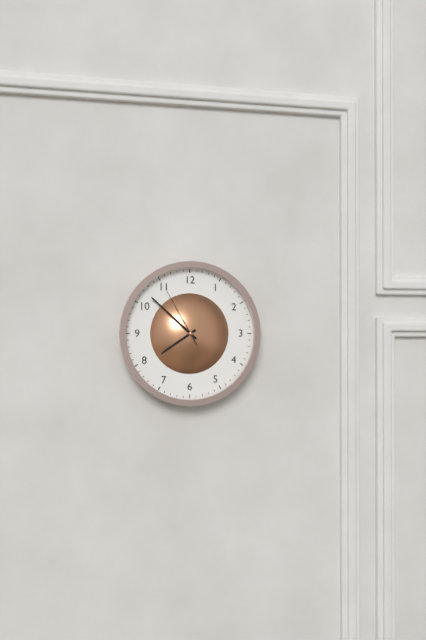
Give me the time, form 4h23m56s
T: 7h52m55s
